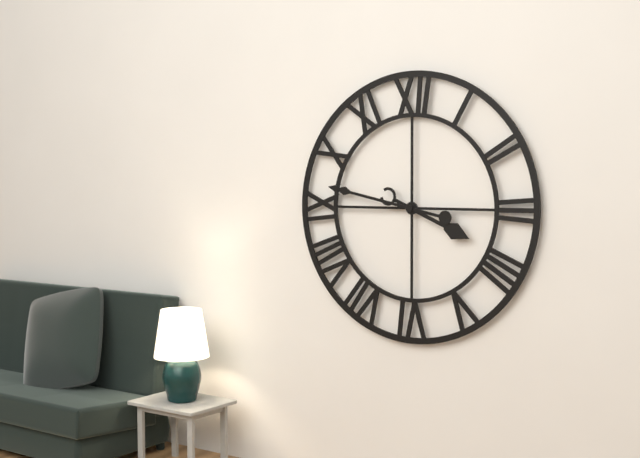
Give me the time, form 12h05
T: 3h47
